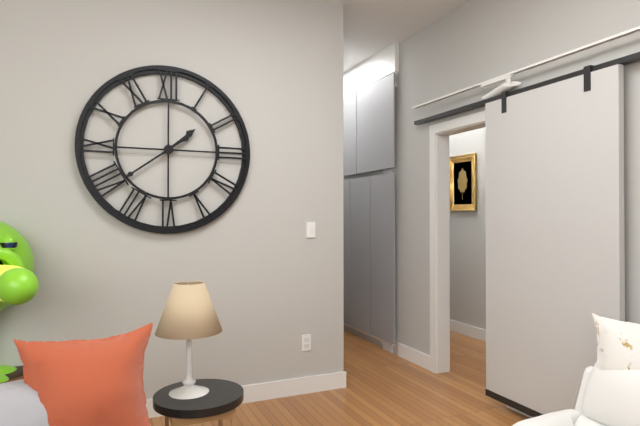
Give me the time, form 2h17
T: 1h39
